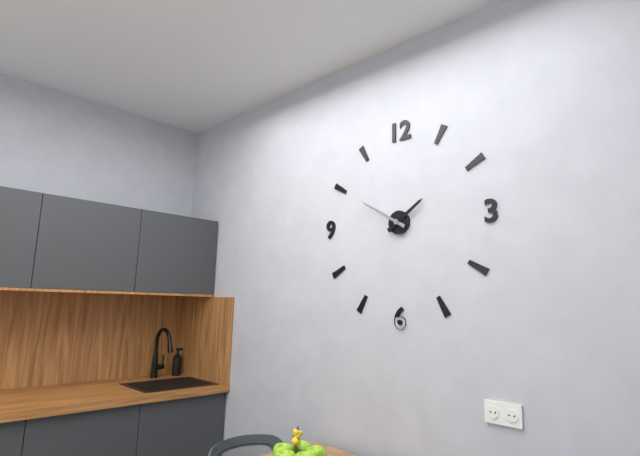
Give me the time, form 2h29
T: 1h50
